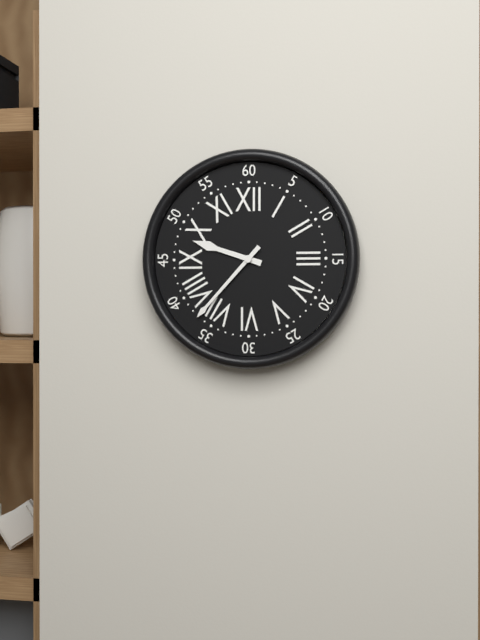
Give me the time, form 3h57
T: 9h37
